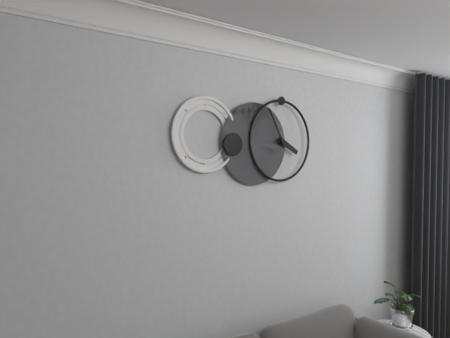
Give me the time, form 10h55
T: 3h55
